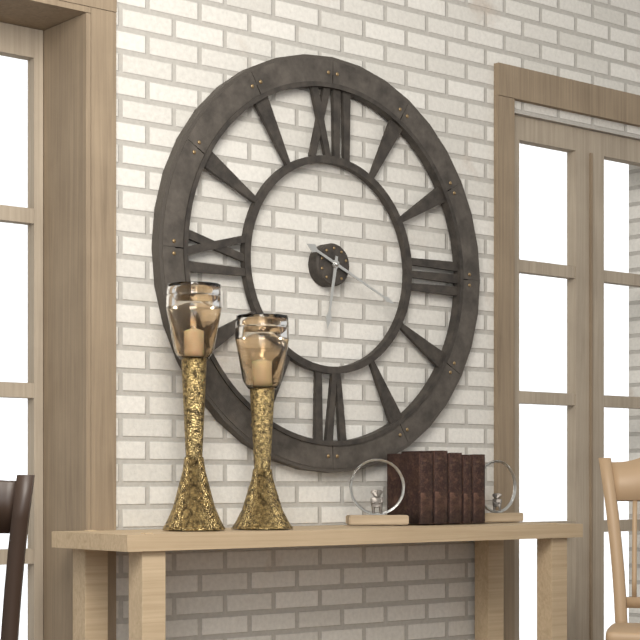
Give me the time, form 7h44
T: 6h19
